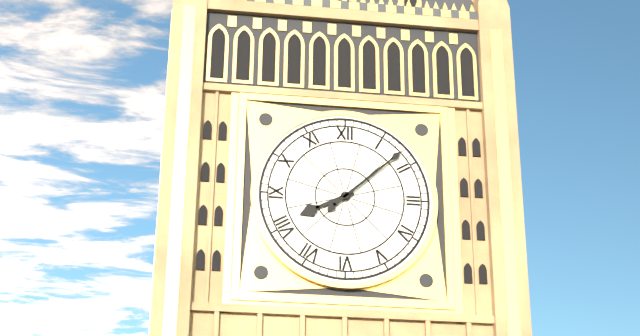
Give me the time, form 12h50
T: 8h08
